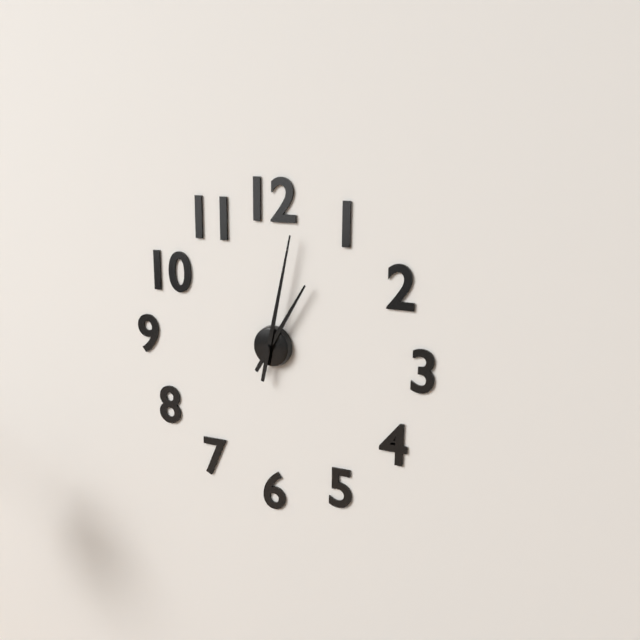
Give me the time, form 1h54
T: 1h02
